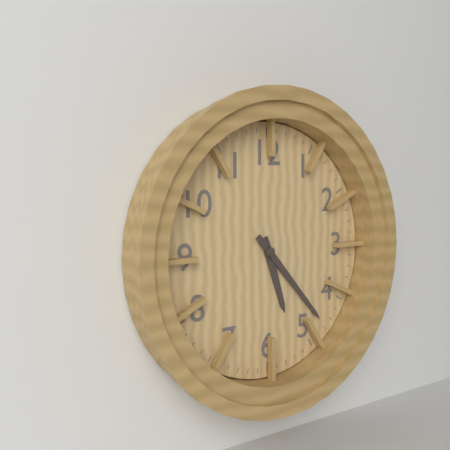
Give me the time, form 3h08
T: 5h23
